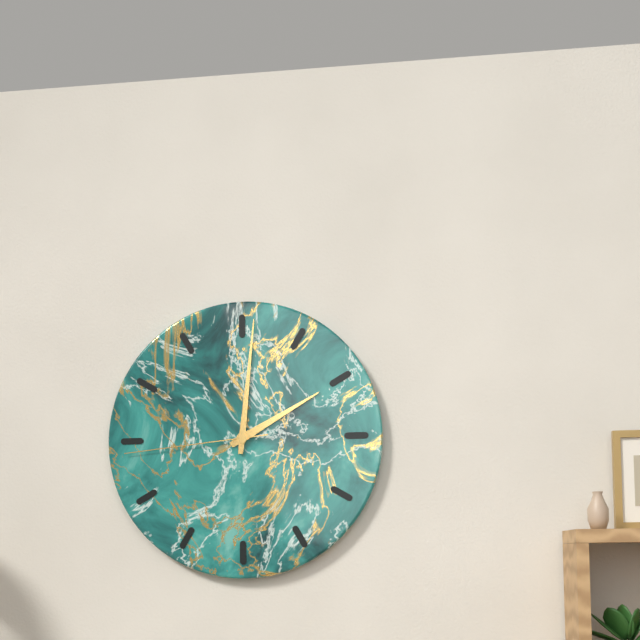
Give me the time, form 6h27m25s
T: 2h01m44s
